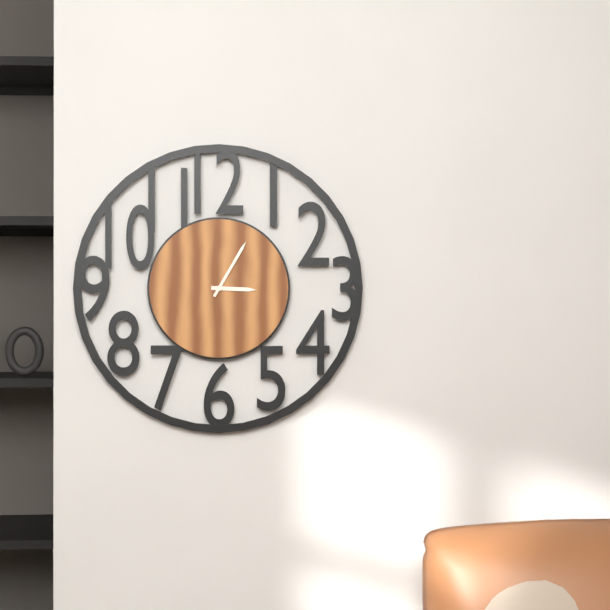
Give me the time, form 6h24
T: 3h05
